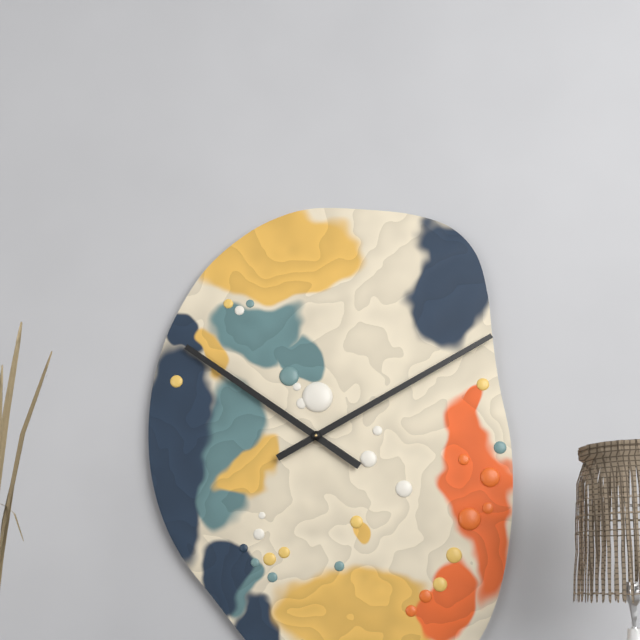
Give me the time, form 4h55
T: 10h10
